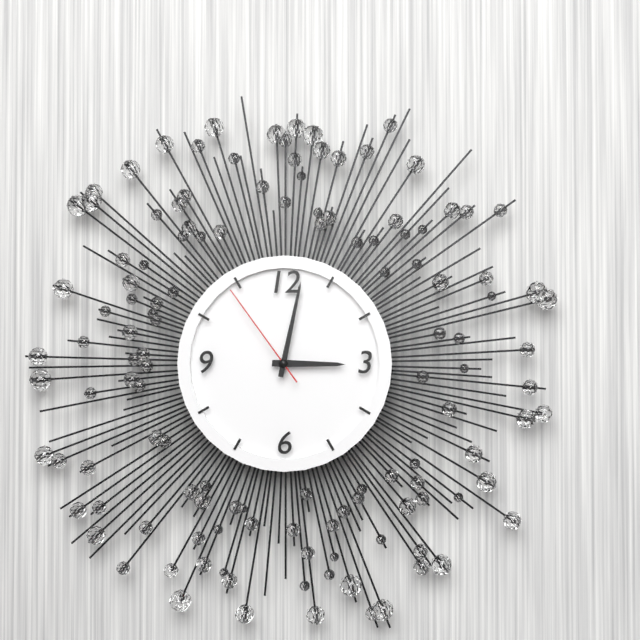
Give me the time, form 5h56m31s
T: 3h02m54s
